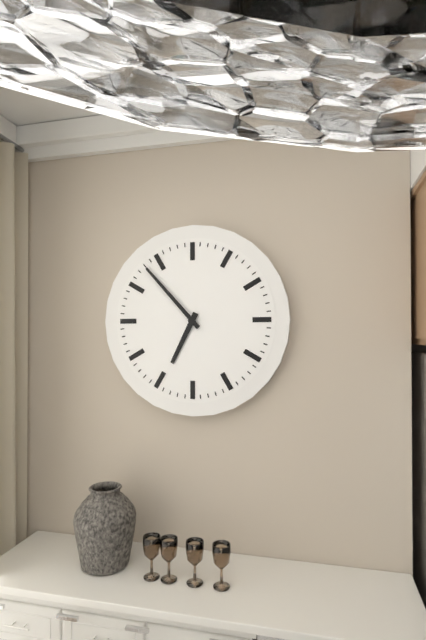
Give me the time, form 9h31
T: 6h53
